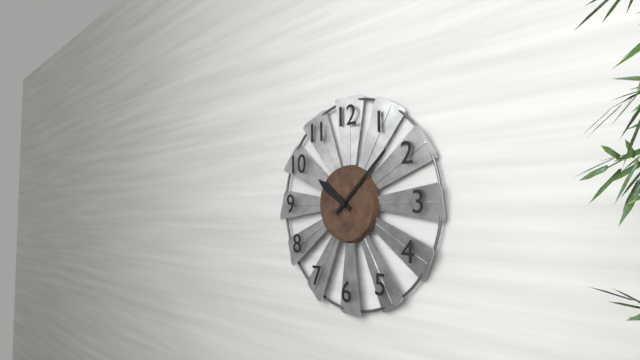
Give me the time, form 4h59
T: 10h08
